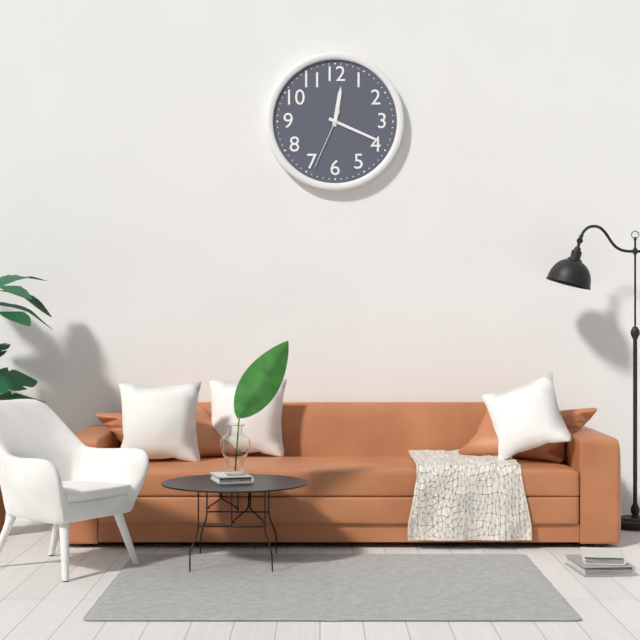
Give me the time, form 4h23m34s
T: 12h19m34s
